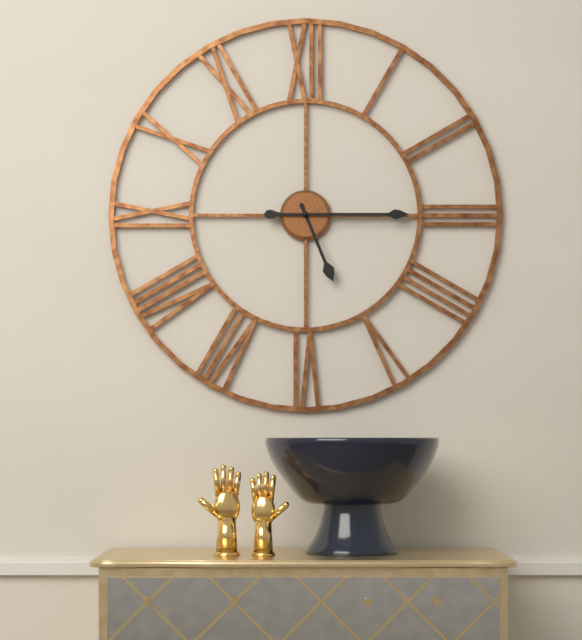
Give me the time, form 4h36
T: 5h15
